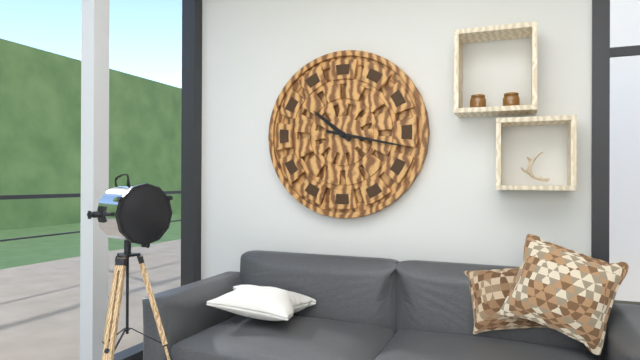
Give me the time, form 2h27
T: 10h17
